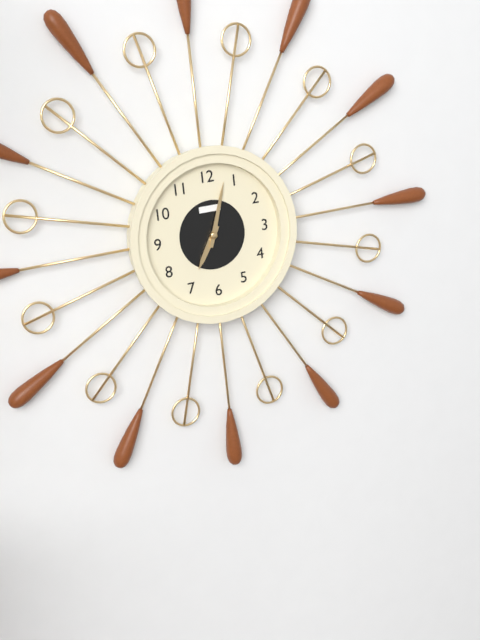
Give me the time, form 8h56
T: 7h03
